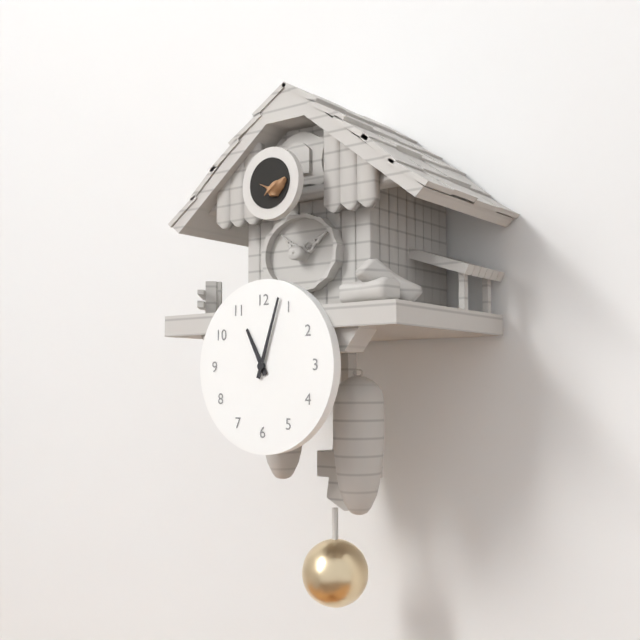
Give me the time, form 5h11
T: 11h03
